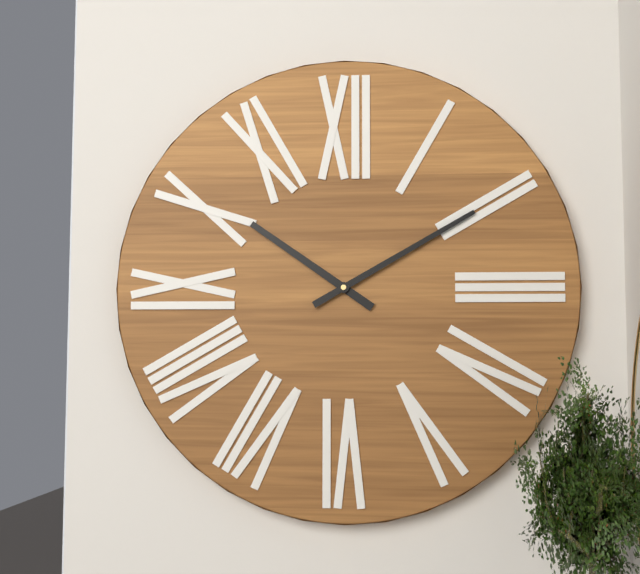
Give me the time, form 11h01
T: 10h10
